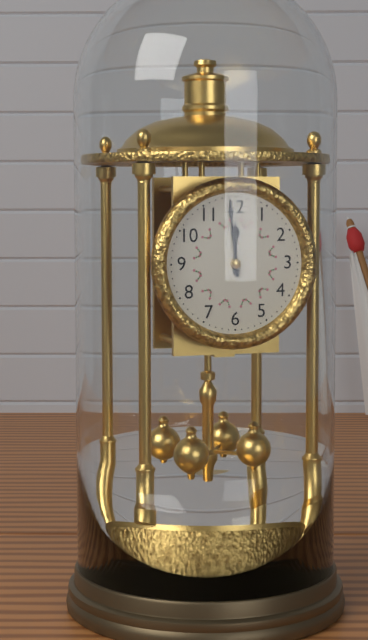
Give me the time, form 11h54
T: 11h59
